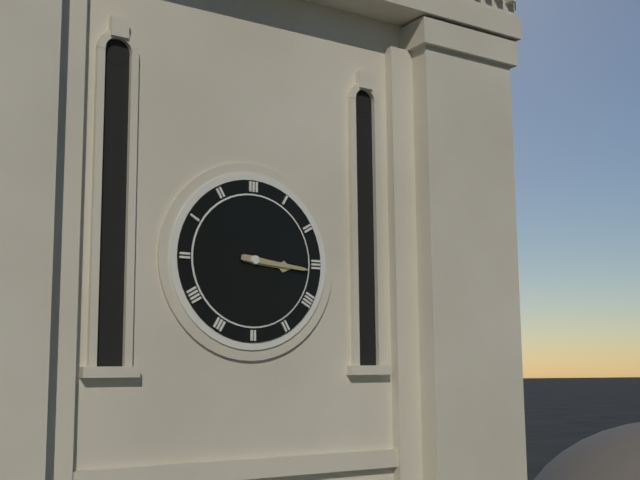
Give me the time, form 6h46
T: 3h16
